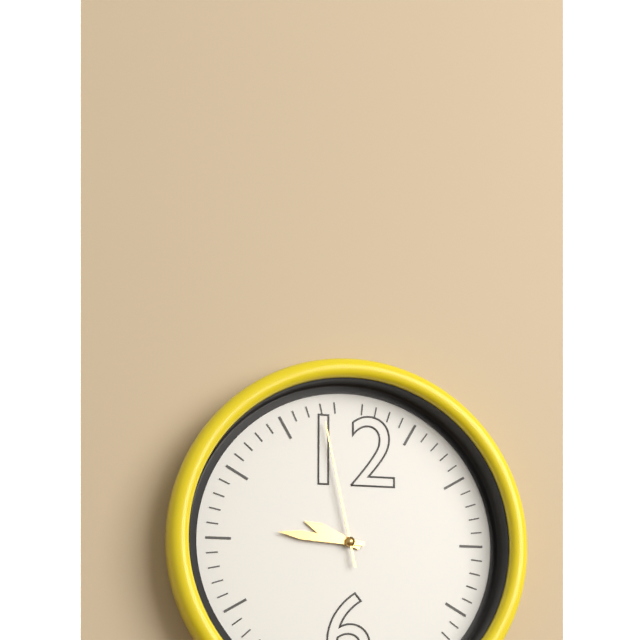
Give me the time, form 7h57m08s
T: 9h46m58s
